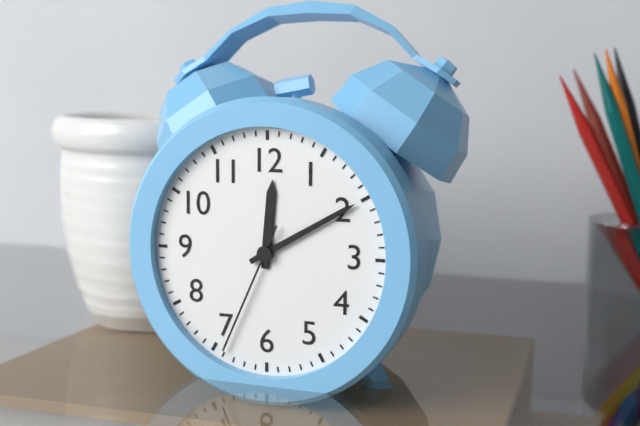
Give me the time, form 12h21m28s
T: 12h10m34s
